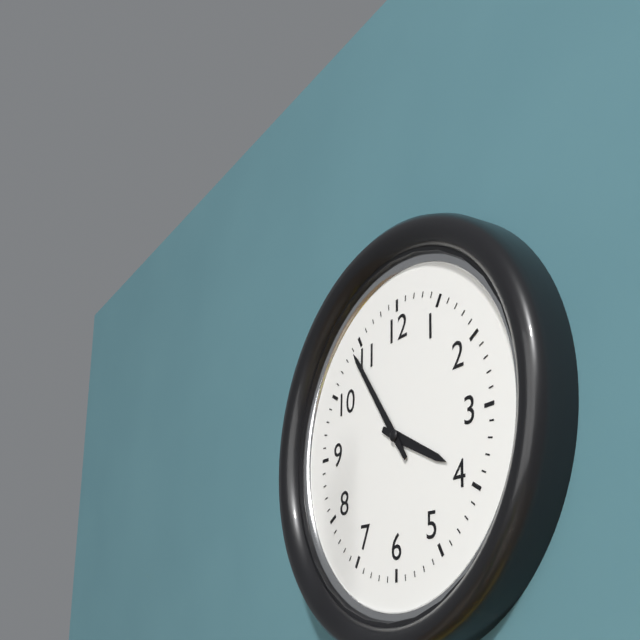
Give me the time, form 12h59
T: 3h54
